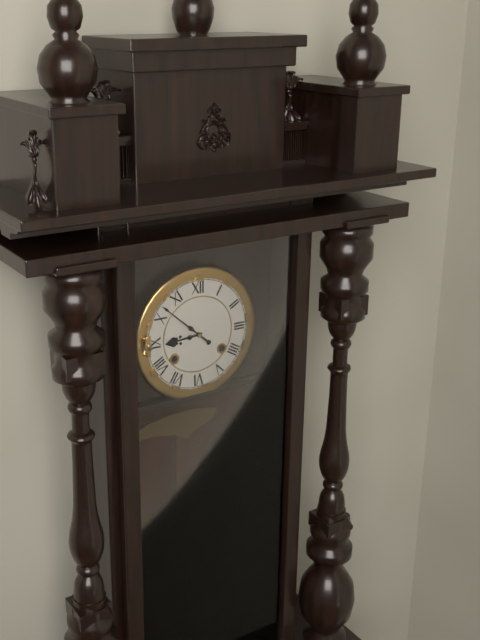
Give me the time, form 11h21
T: 8h52
